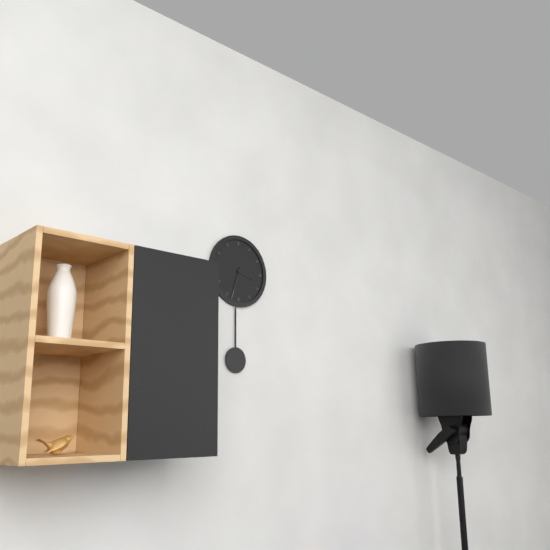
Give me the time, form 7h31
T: 3h33
